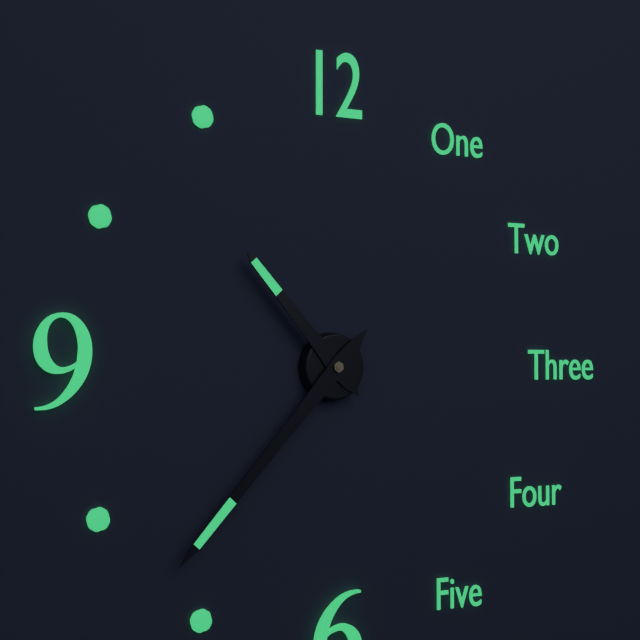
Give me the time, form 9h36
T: 10h37
